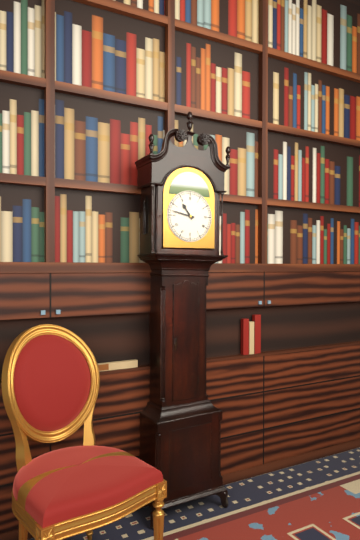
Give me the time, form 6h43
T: 10h47
